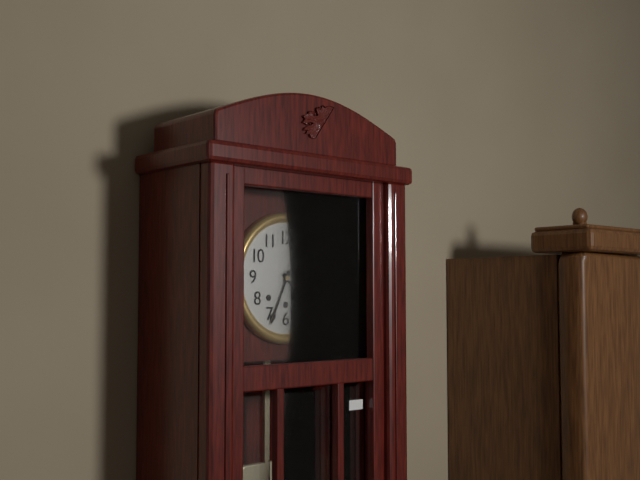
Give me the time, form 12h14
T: 4h34
